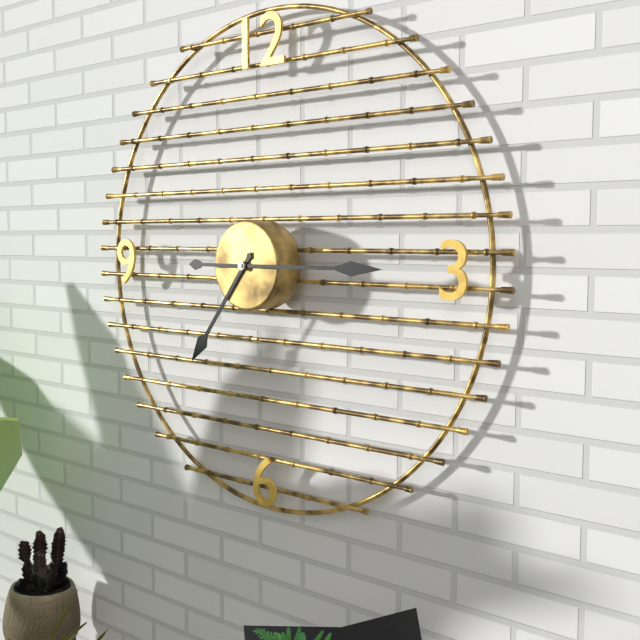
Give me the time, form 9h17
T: 7h15
